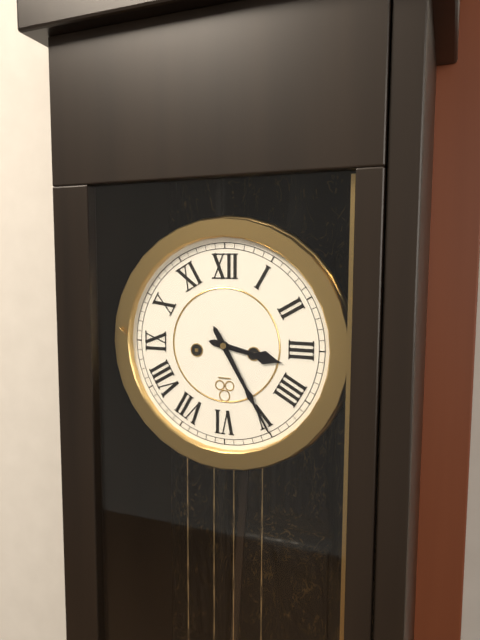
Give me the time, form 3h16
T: 3h25
